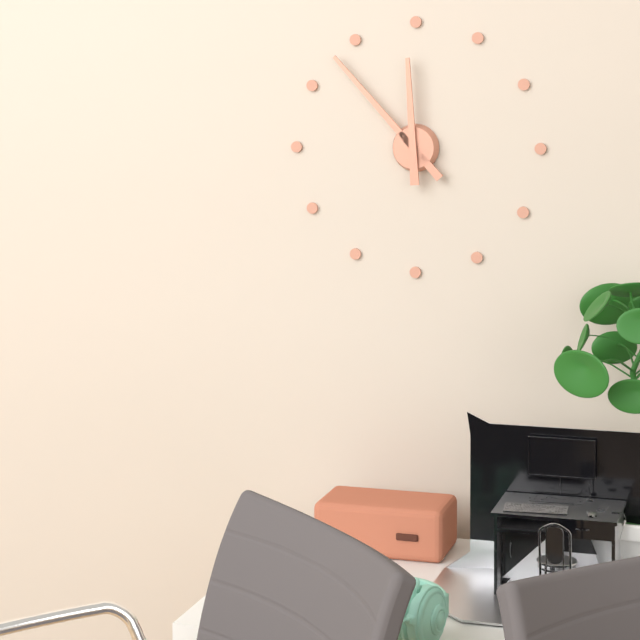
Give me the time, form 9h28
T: 11h53
